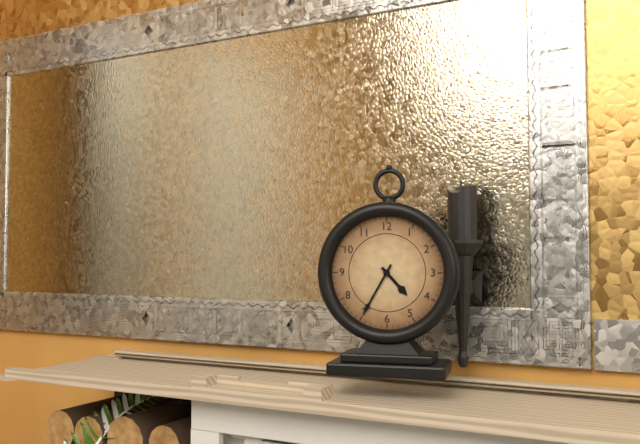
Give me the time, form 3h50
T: 4h35
